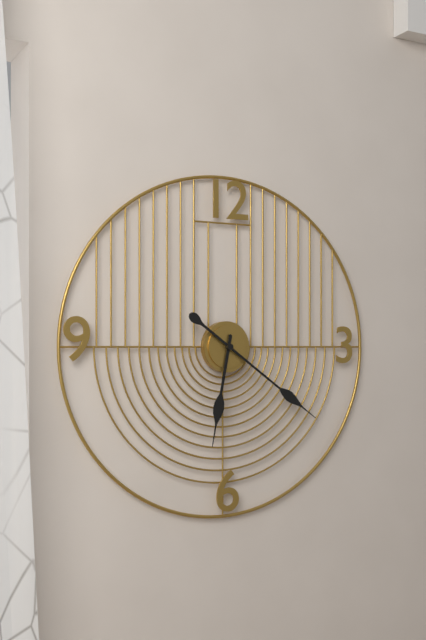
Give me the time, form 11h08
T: 6h21
